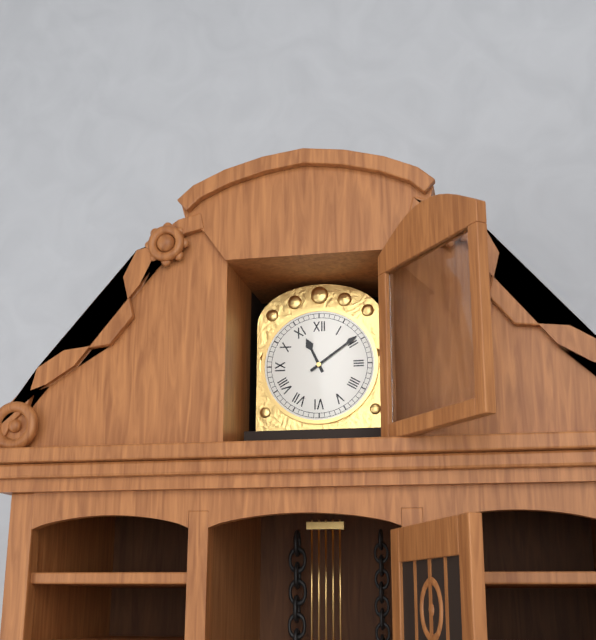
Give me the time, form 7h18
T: 11h09
